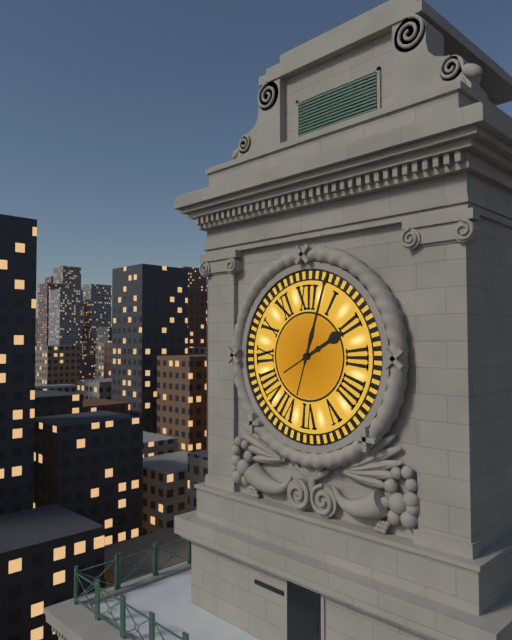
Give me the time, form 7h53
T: 2h03
